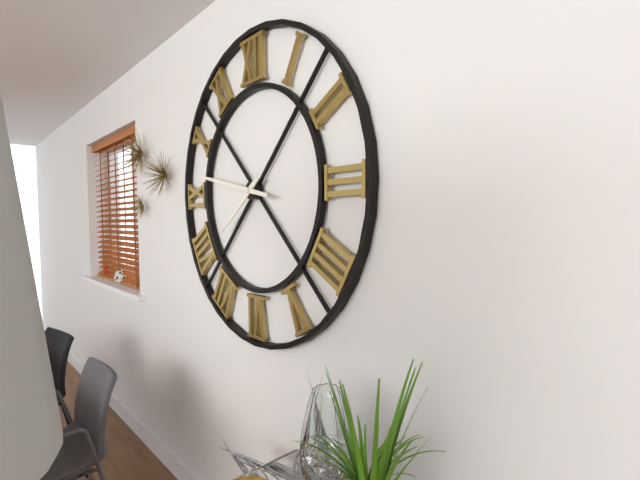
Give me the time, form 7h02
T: 7h47
